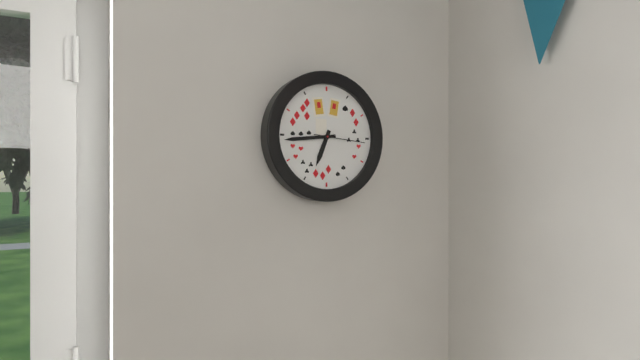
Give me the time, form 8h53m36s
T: 6h44m16s
